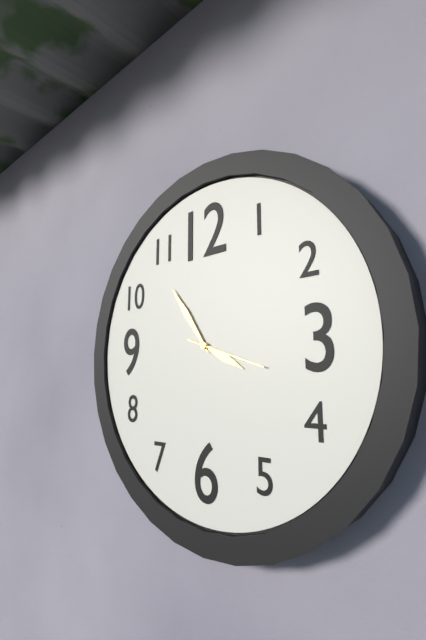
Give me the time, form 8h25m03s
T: 3h54m18s
